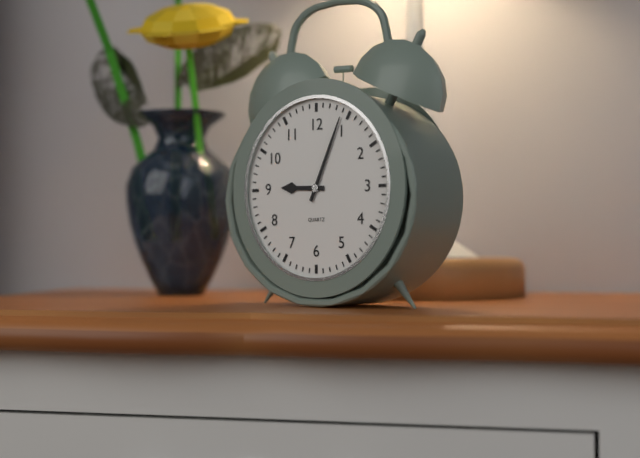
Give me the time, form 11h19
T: 9h04
